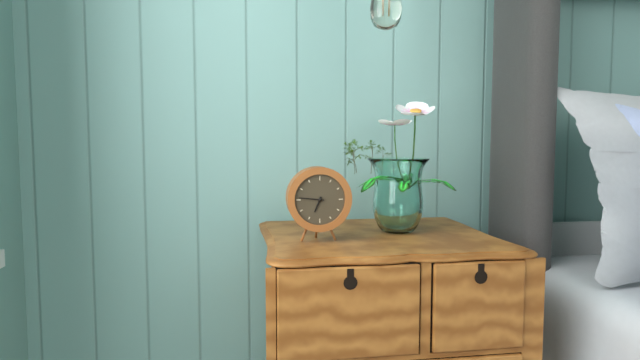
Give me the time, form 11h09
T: 6h46
